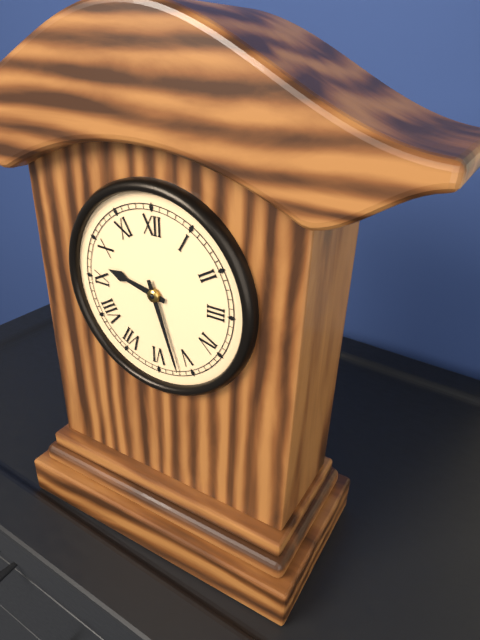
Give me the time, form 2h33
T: 9h27
